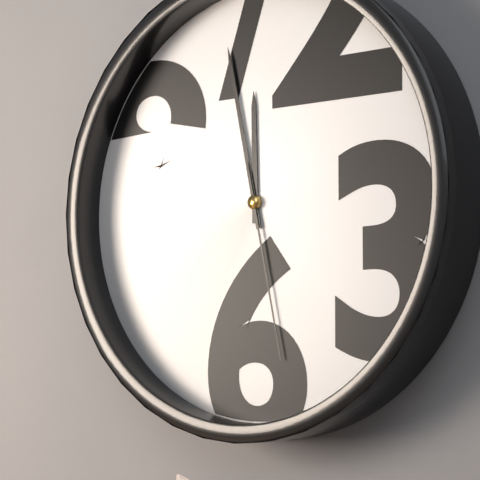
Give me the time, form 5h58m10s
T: 11h58m28s
